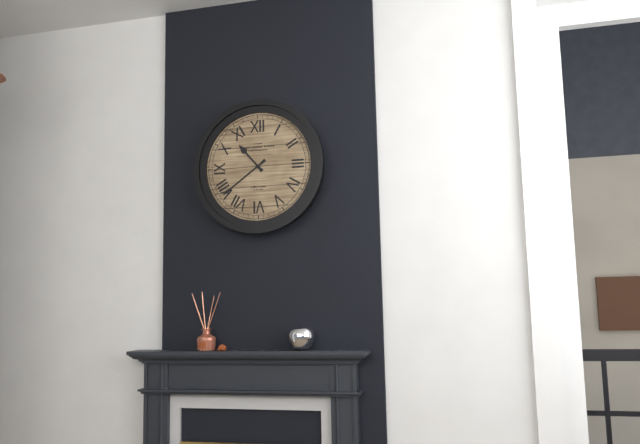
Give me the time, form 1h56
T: 10h39
